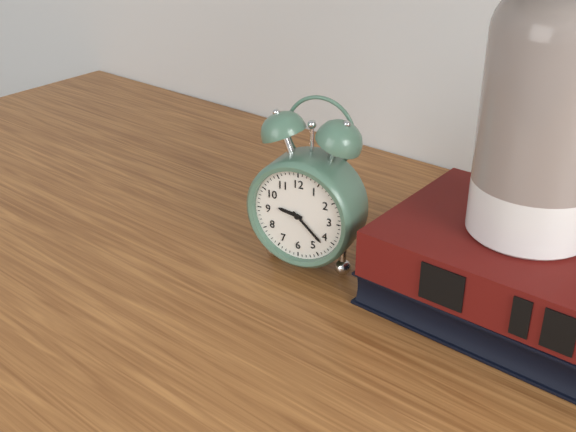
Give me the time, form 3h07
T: 9h22
